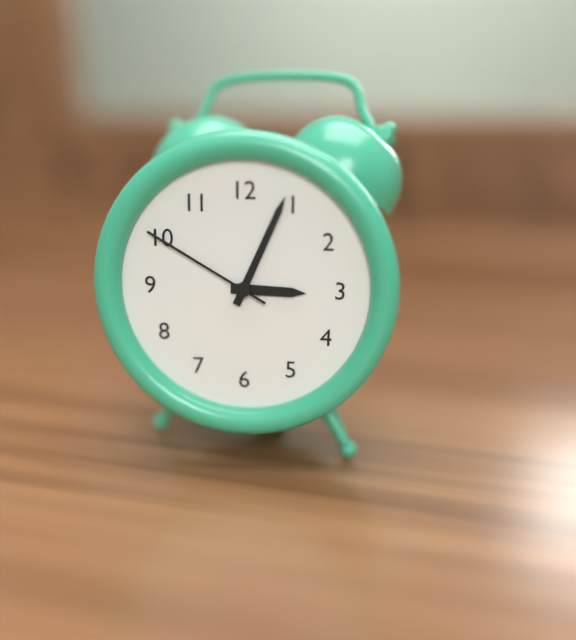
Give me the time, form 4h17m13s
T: 3h04m50s
